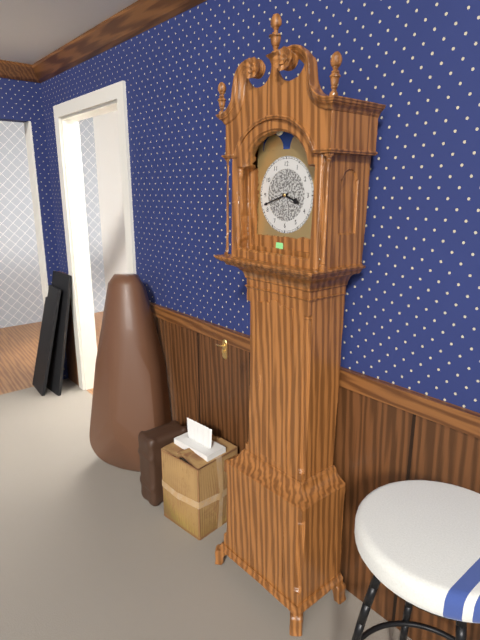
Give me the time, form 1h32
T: 3h42
